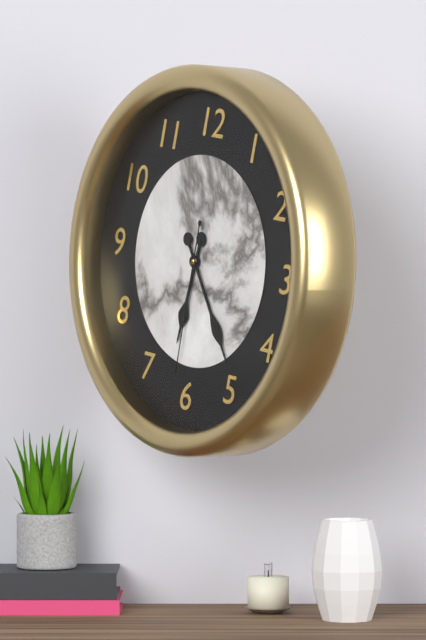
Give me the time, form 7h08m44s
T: 6h24m31s
